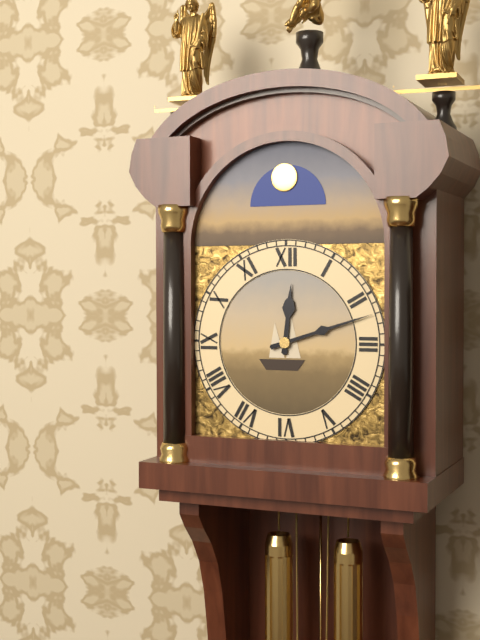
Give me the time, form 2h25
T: 12h12
